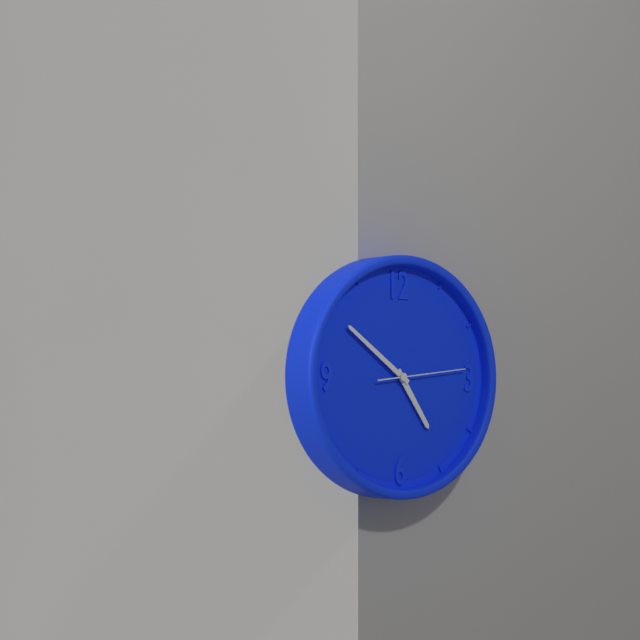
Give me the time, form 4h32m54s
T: 4h51m14s
